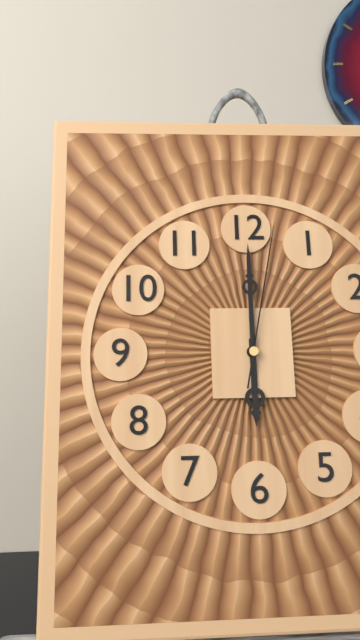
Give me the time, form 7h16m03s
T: 6h00m02s
